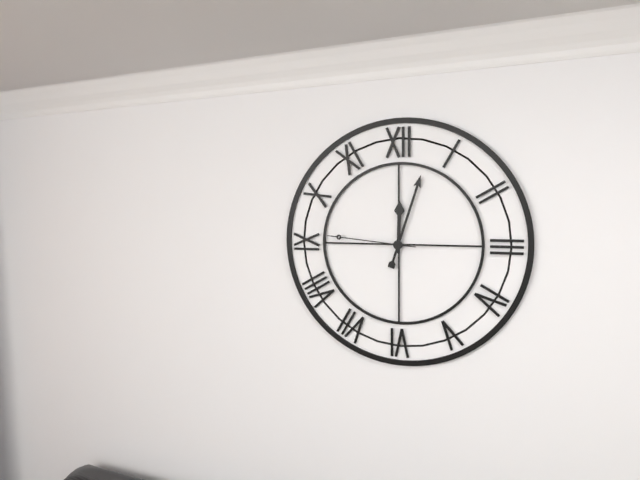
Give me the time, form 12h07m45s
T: 12h03m46s
